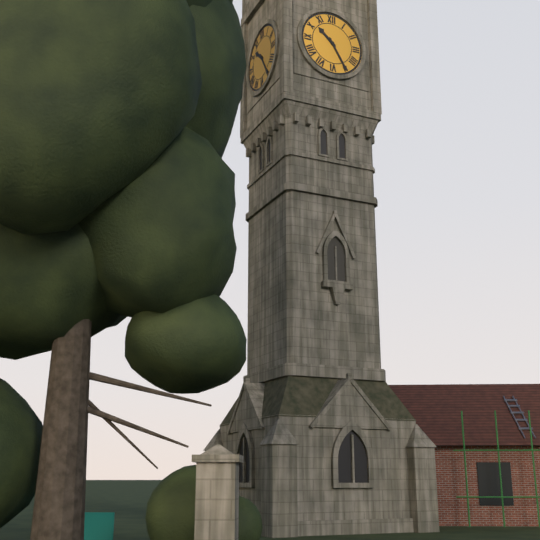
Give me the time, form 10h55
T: 10h25
